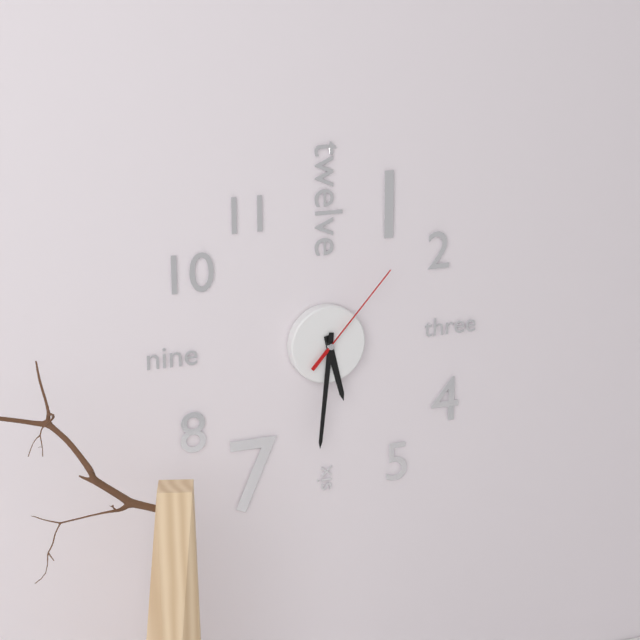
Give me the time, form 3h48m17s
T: 5h31m07s
